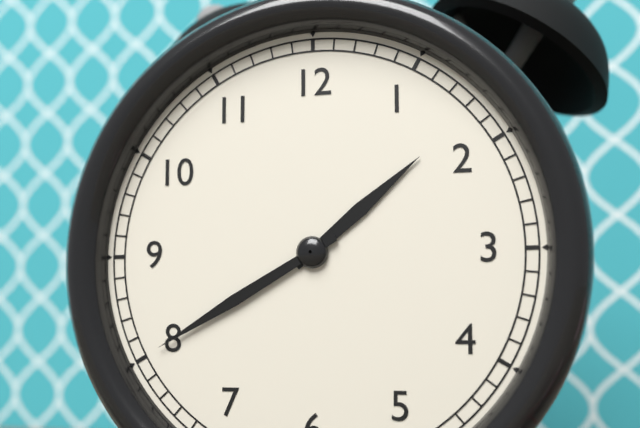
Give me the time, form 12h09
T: 1h40
